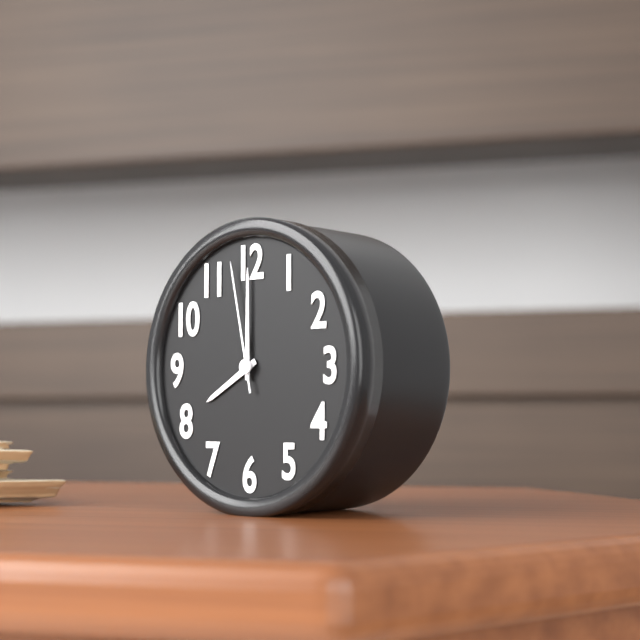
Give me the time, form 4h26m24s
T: 8h00m58s
